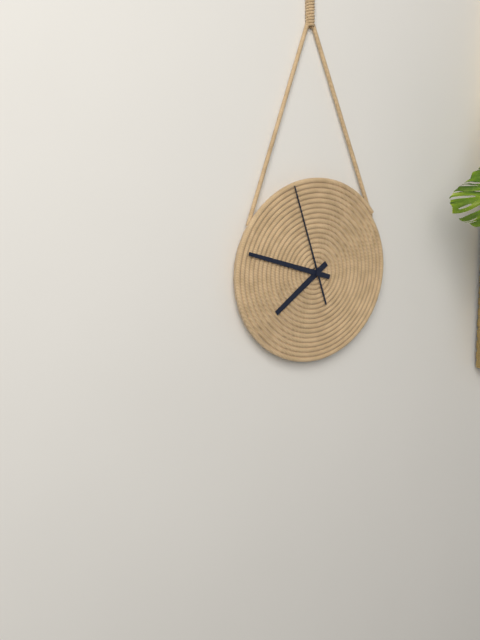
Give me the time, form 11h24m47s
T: 7h48m57s
